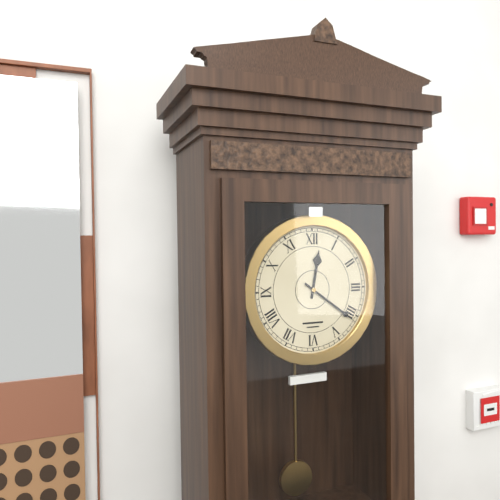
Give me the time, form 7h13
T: 12h21
